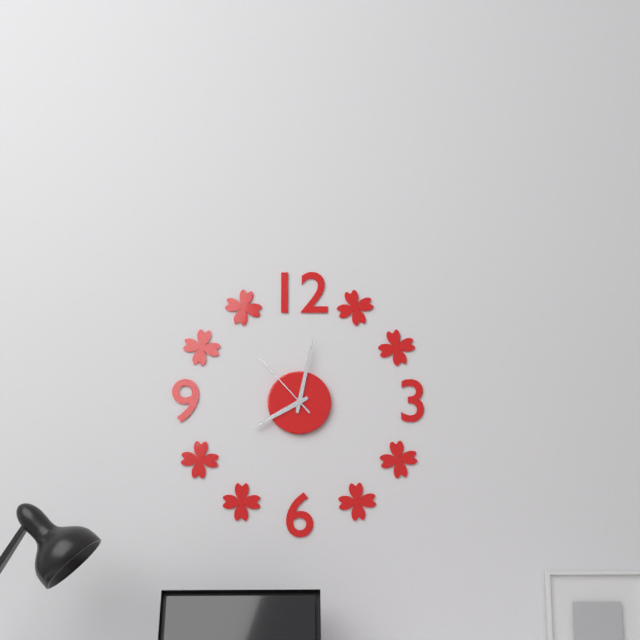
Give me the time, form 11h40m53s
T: 8h02m53s
